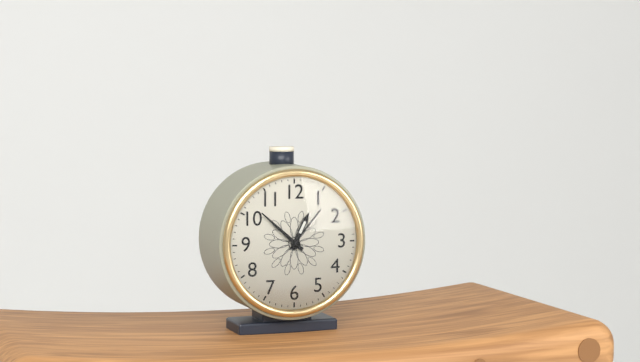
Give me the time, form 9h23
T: 12h52
